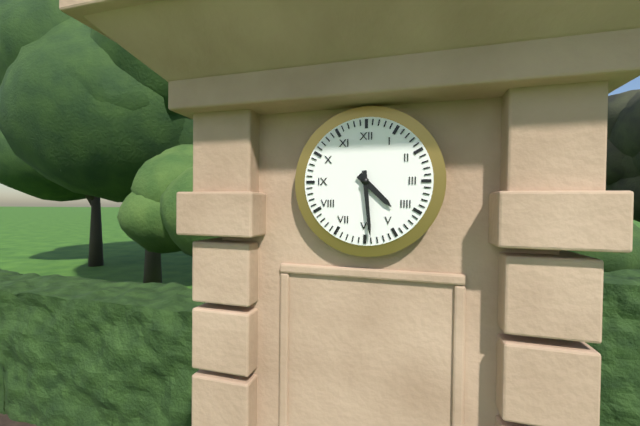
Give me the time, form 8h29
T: 4h29
